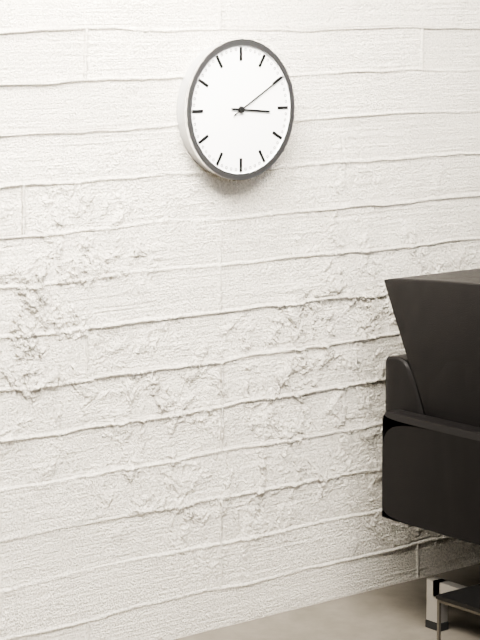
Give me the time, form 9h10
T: 3h10
